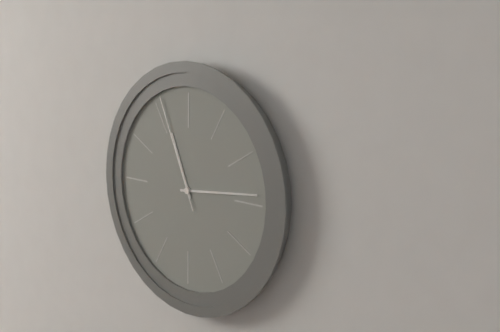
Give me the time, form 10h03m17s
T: 11h14m56s
